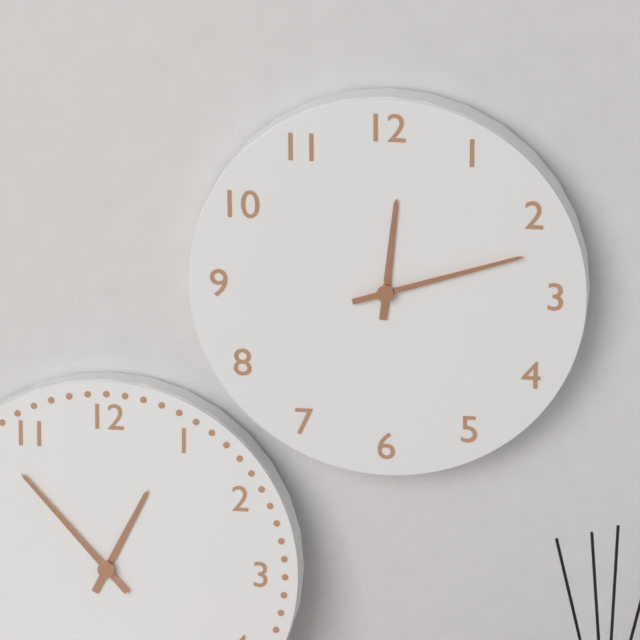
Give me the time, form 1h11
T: 12h12
